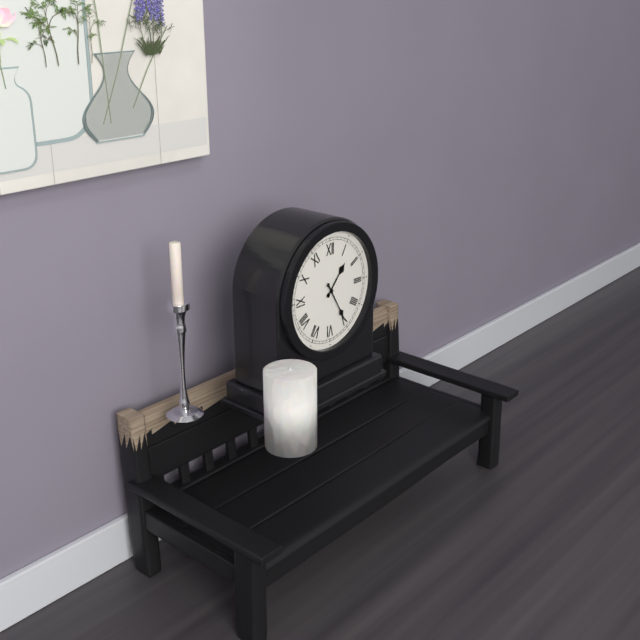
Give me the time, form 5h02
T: 1h25
